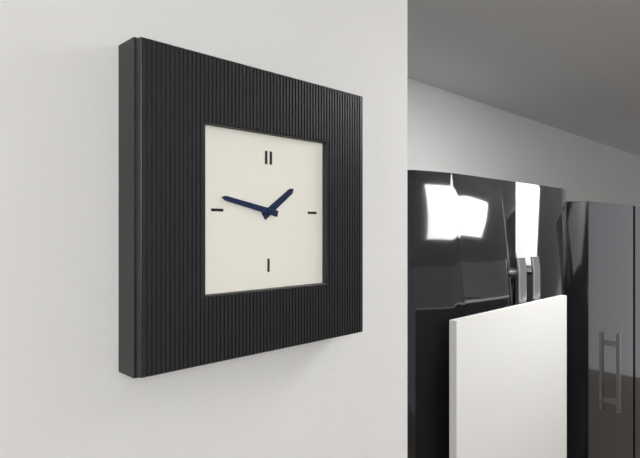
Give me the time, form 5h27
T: 1h47
